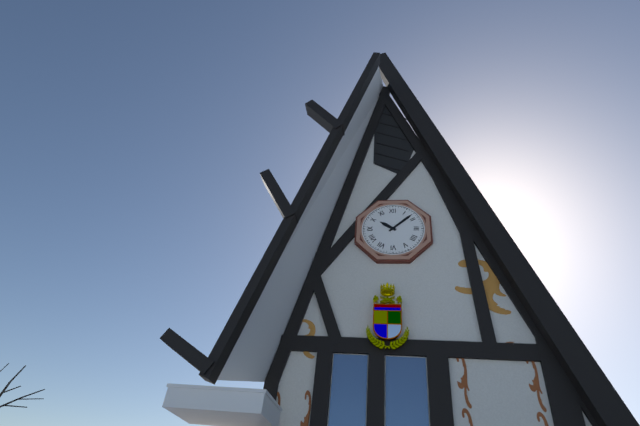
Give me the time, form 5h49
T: 10h08
